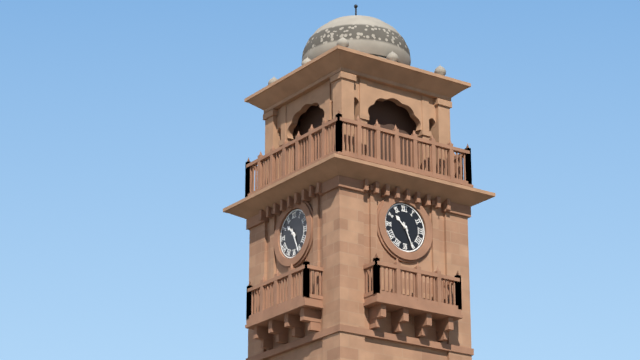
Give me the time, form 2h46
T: 10h26
